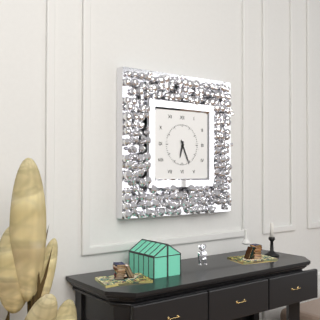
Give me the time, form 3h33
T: 6h26
